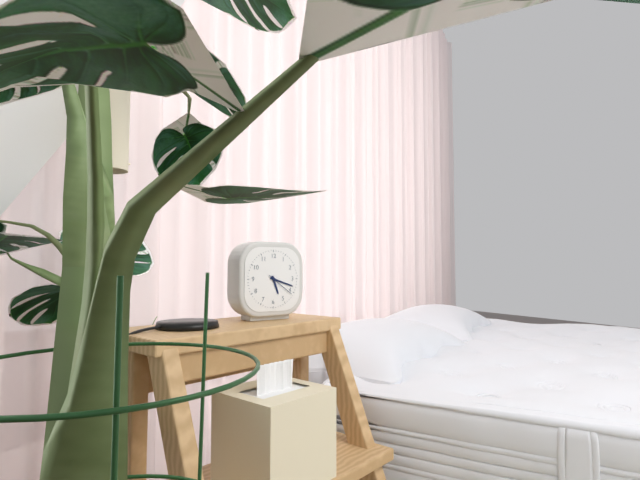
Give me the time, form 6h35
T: 5h18
